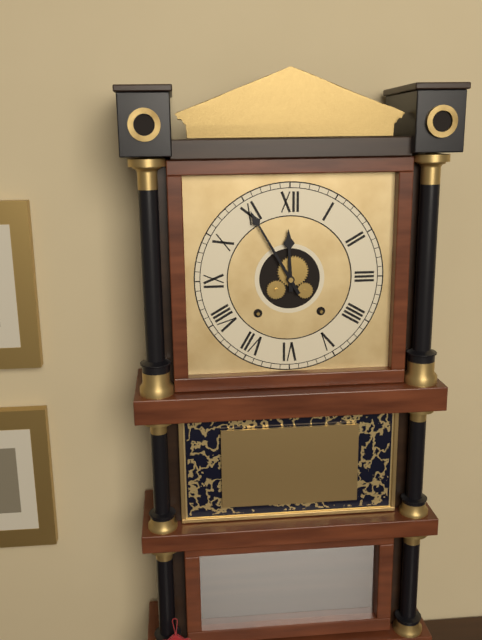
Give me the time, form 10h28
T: 11h55
